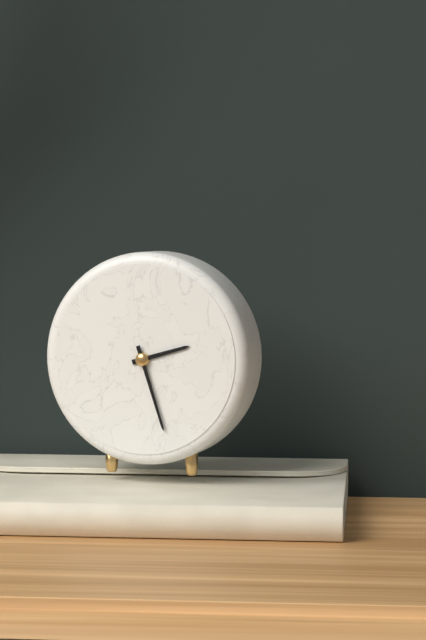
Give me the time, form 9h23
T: 2h27
